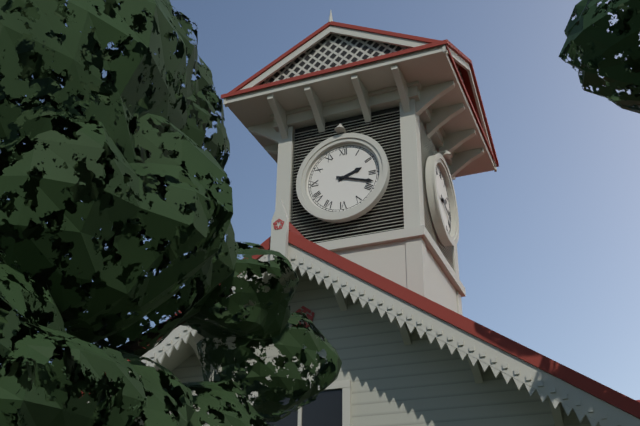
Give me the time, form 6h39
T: 2h18
